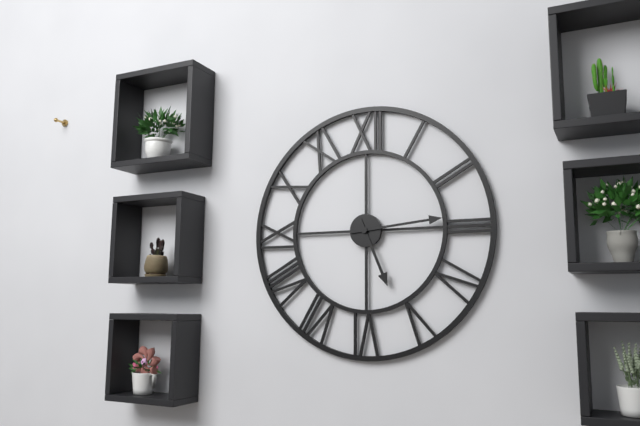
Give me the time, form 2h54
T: 5h14
